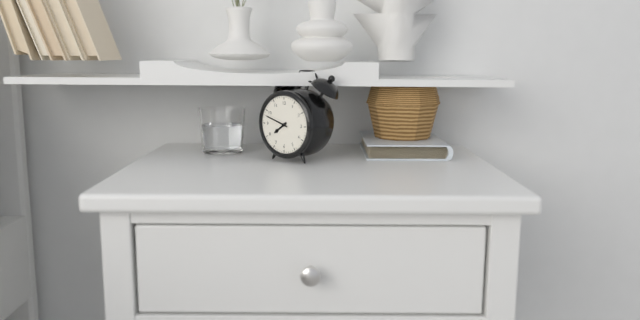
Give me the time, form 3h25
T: 7h48
